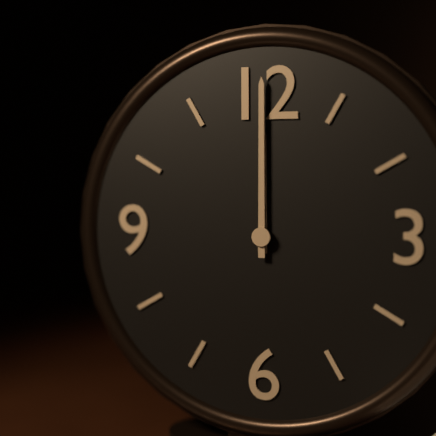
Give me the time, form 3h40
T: 12h00
